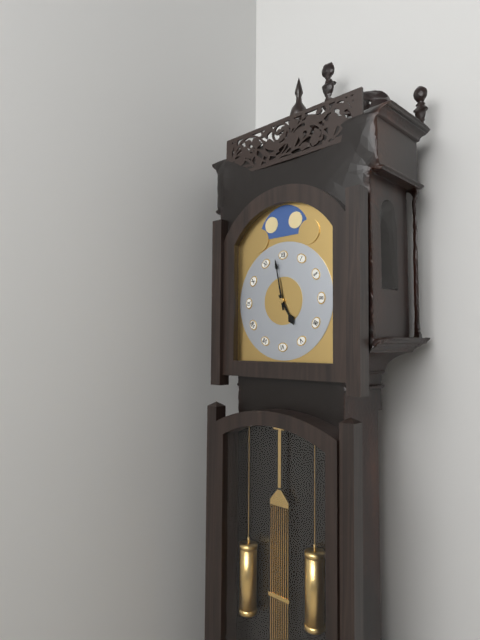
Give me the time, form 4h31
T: 4h58
